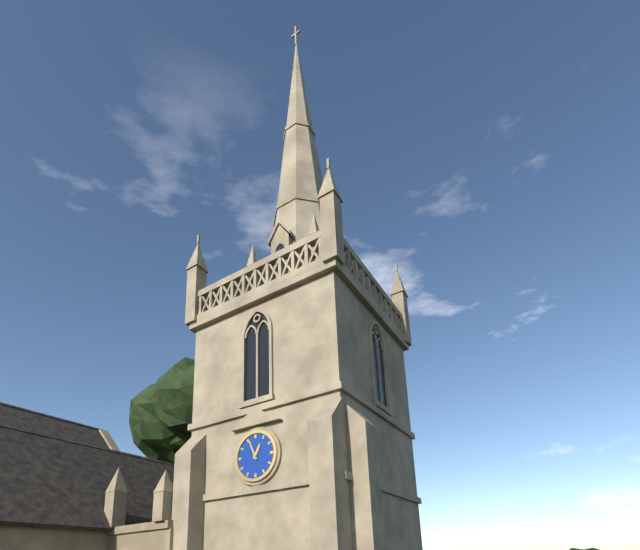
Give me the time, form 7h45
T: 12h56
